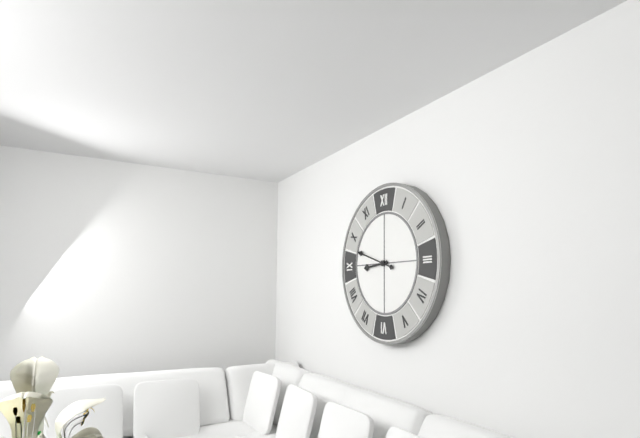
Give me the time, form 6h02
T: 8h48
